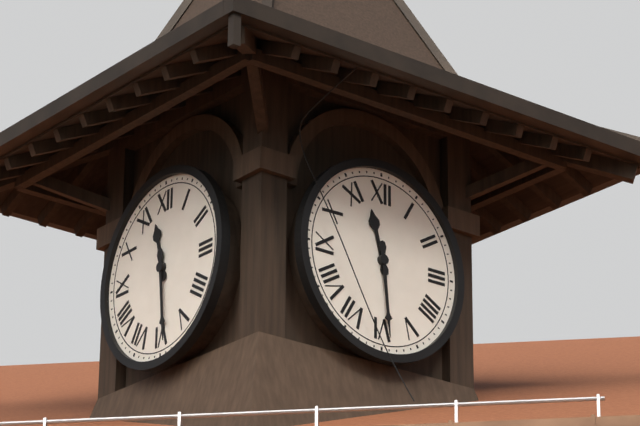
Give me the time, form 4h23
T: 11h29
